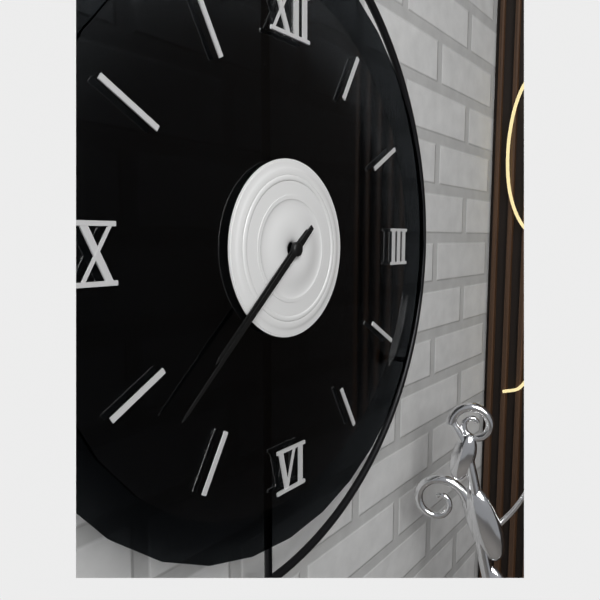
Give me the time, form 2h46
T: 7h38
